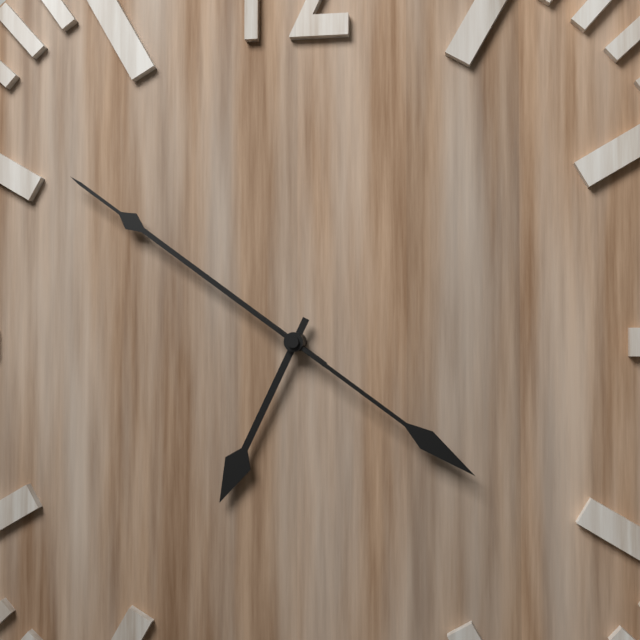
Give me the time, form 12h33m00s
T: 6h51m21s
